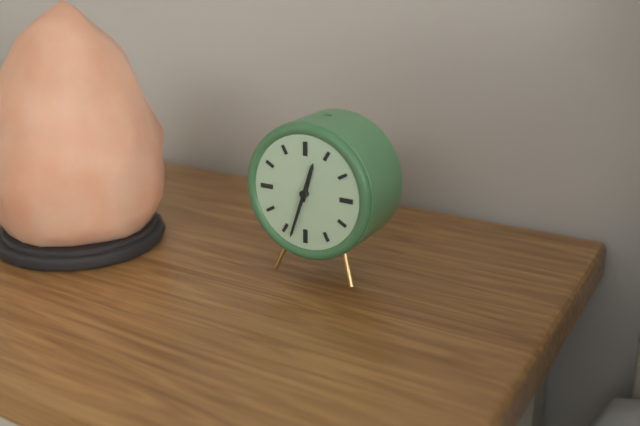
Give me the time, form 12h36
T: 12h33
